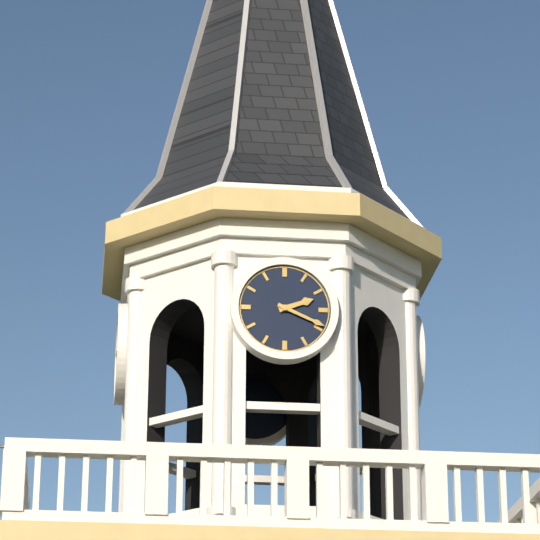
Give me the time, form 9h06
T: 2h19
